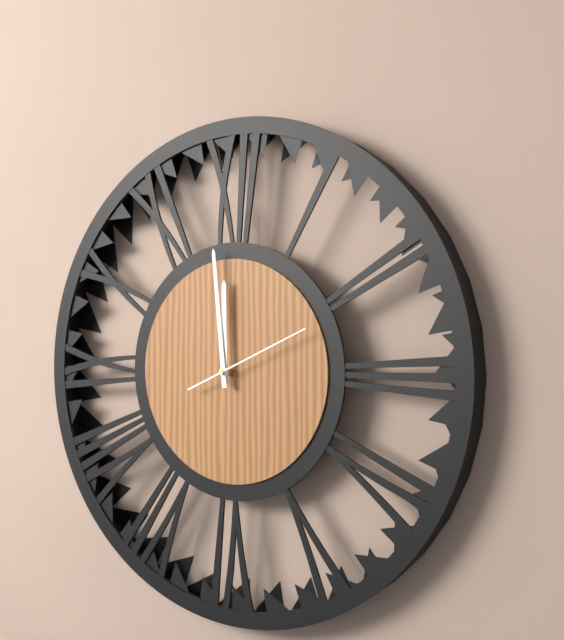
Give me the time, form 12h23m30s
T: 11h59m11s
